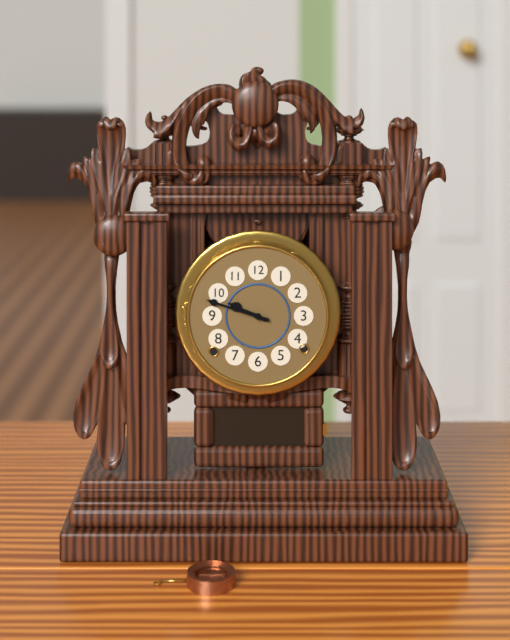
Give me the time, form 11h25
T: 9h48
